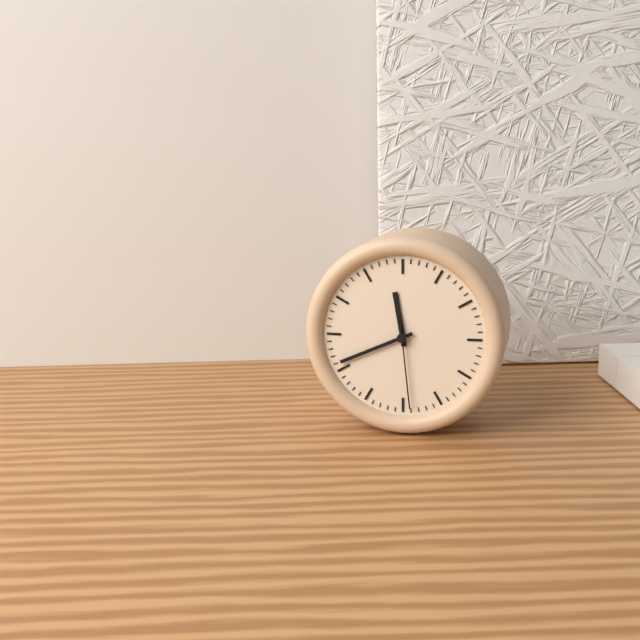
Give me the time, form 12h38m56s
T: 11h41m29s
